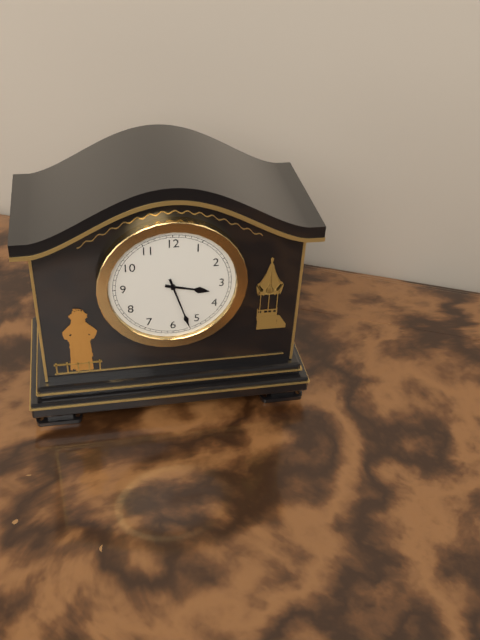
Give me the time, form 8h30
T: 3h27
